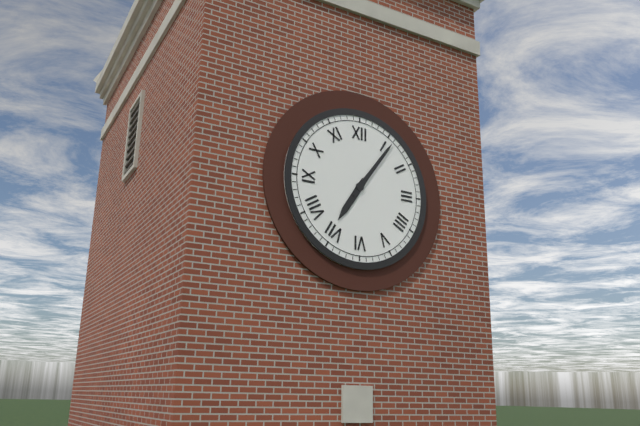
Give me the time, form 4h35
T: 7h06
